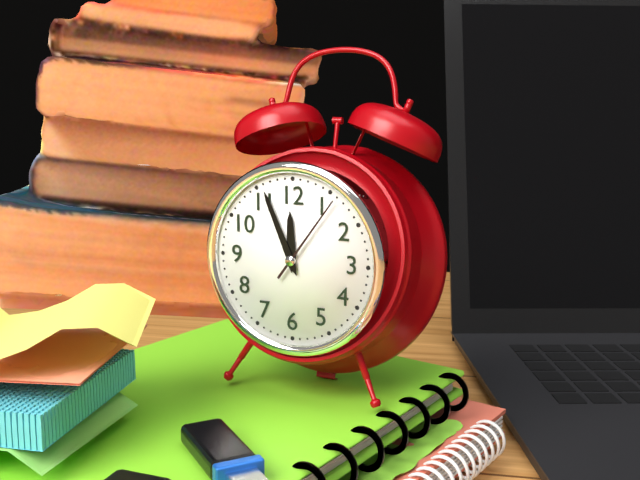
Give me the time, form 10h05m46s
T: 11h56m06s
